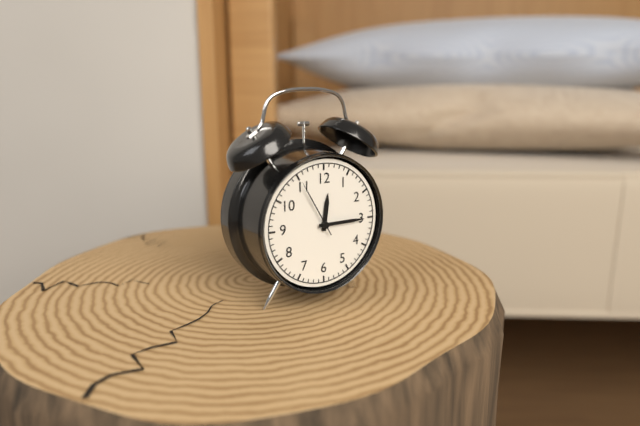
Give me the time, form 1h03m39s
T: 12h15m55s
